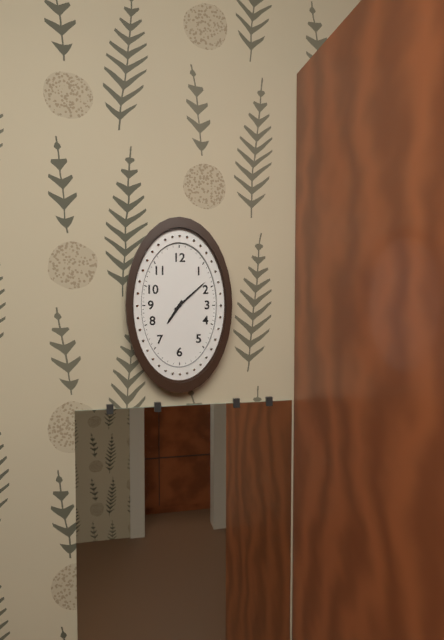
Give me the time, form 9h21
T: 7h08
